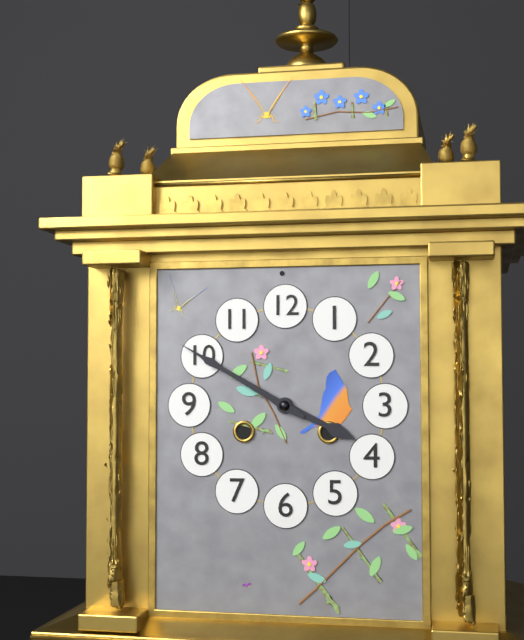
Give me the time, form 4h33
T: 3h50
